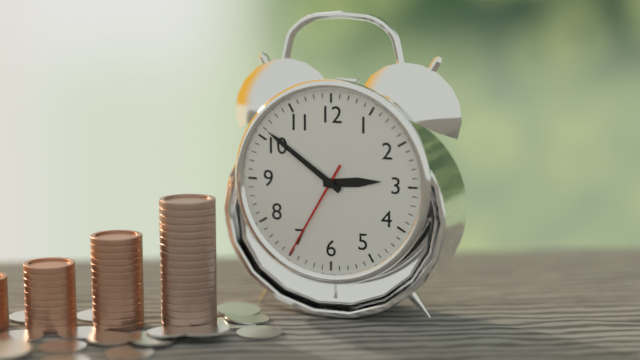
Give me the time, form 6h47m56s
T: 2h51m35s
